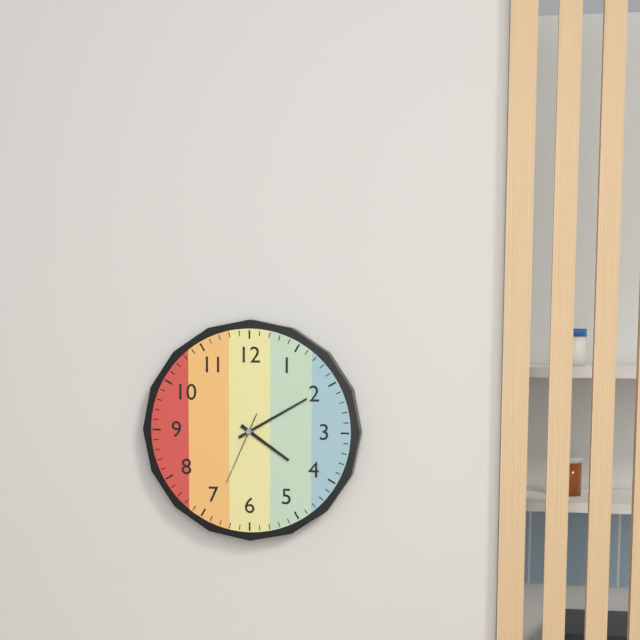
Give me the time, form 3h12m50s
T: 4h10m34s
